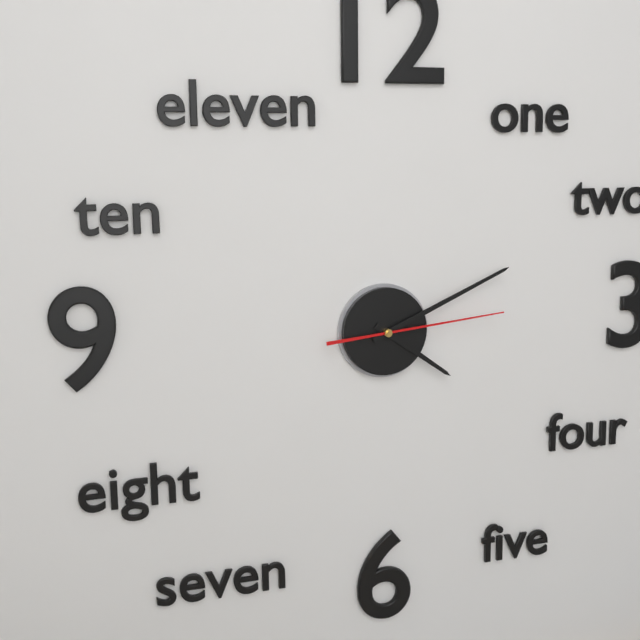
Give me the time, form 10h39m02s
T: 4h11m14s
